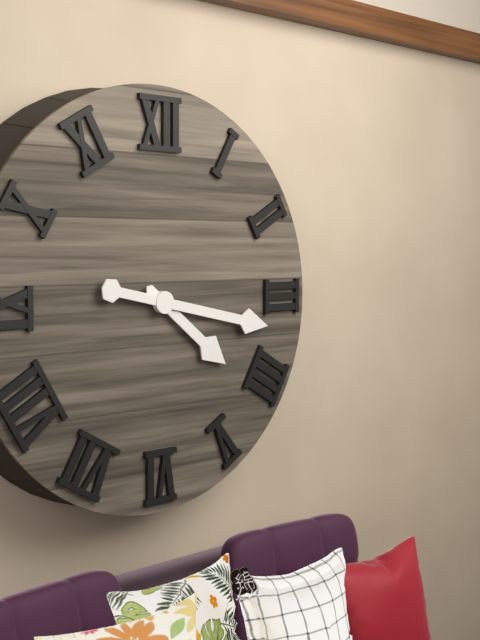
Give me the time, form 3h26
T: 4h17
